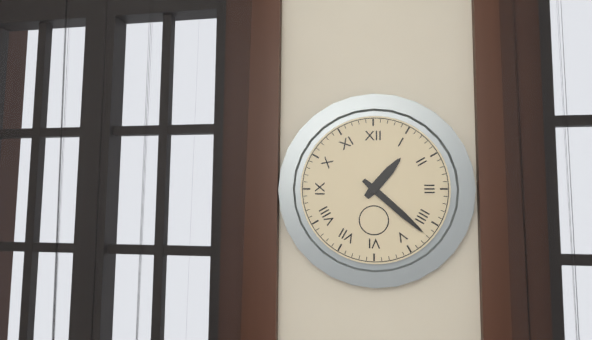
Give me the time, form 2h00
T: 1h22
